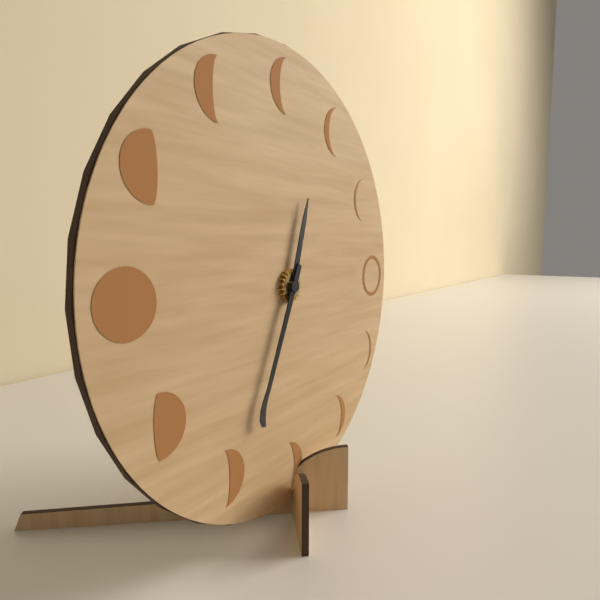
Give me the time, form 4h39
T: 12h34
